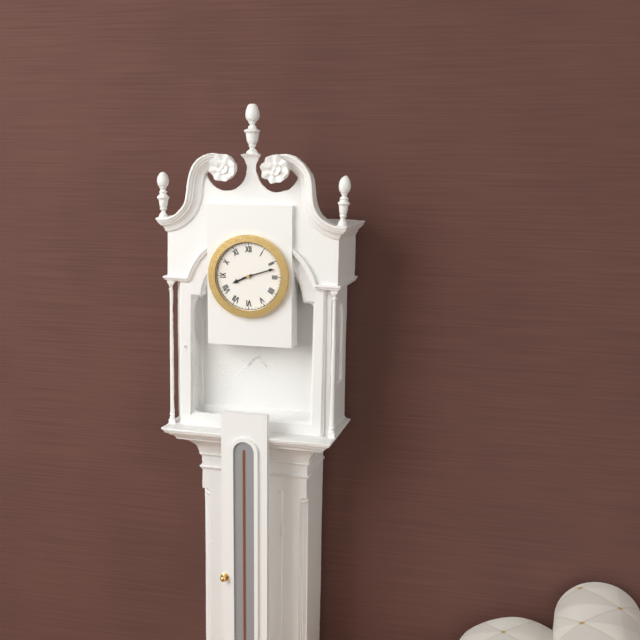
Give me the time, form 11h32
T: 8h12
